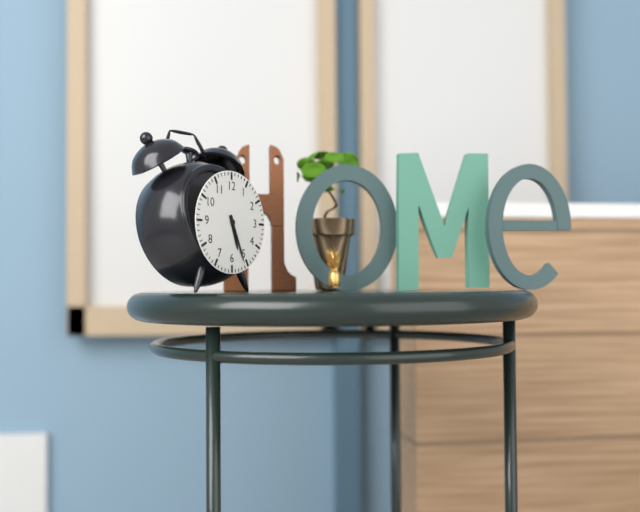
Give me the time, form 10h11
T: 5h26
